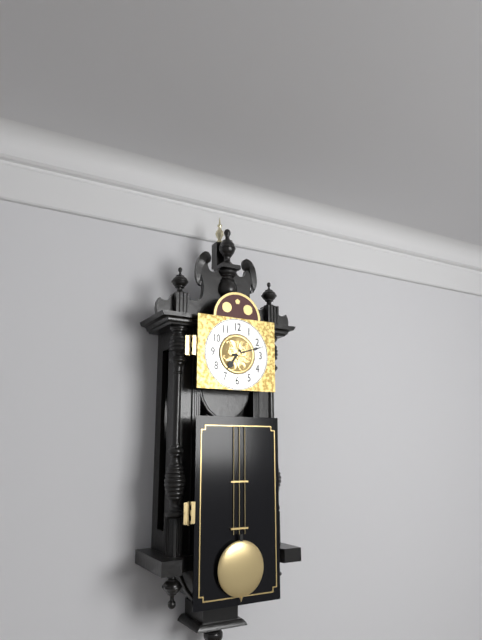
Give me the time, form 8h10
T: 7h12
